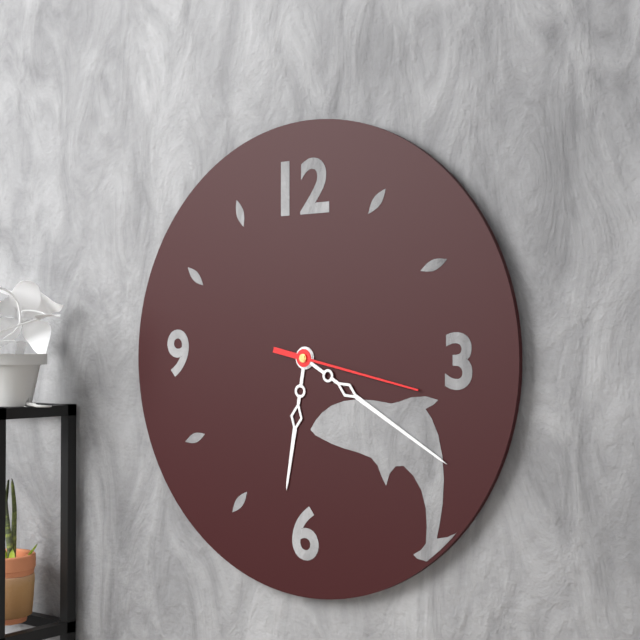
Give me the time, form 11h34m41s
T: 6h20m17s
